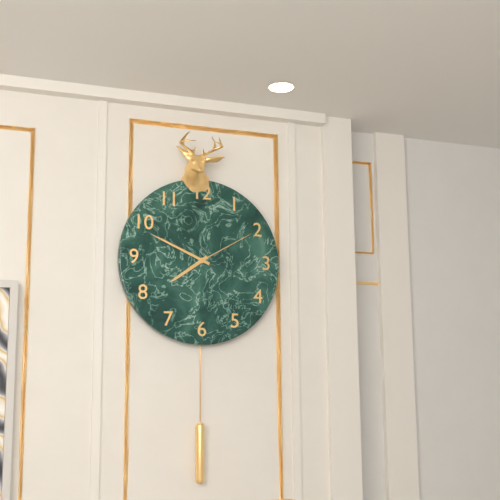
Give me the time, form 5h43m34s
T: 7h49m10s
